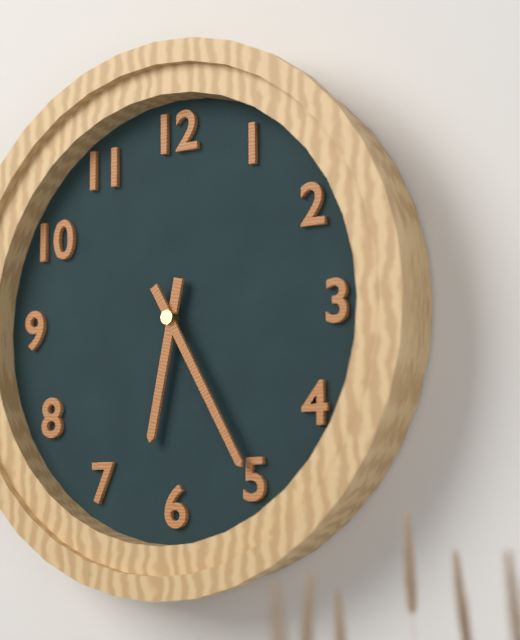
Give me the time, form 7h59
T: 6h25
